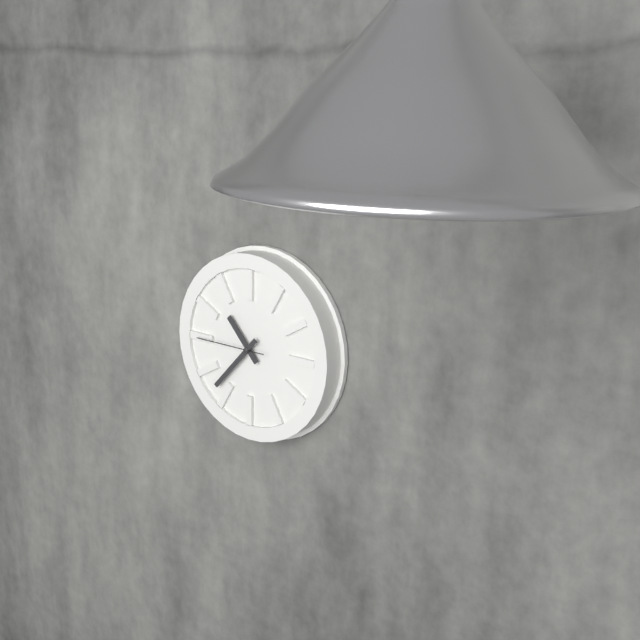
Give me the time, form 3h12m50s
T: 10h37m45s
